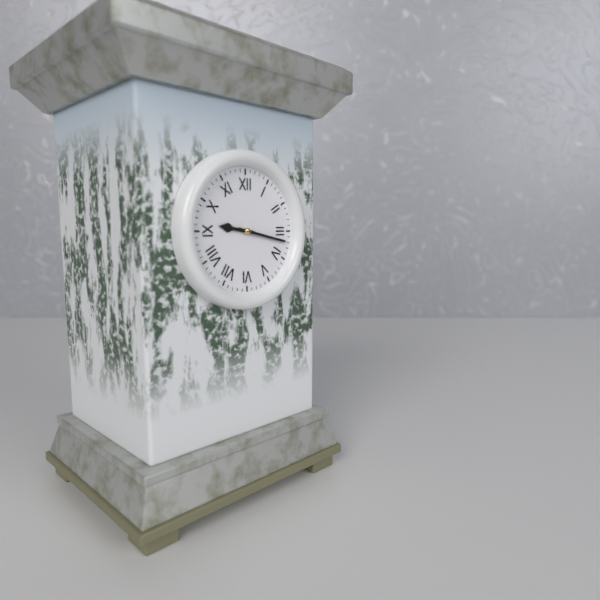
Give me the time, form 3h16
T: 9h17
